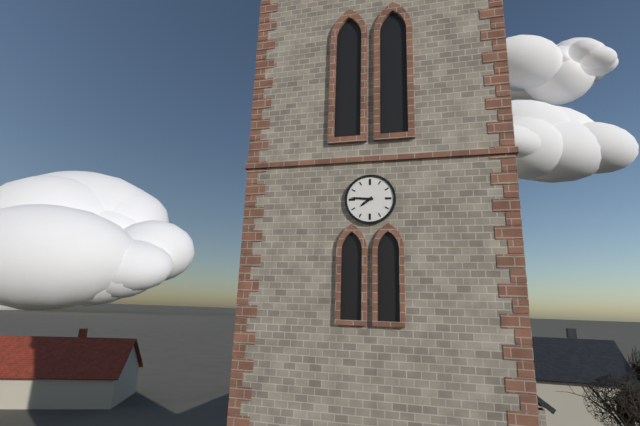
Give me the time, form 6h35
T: 7h46
